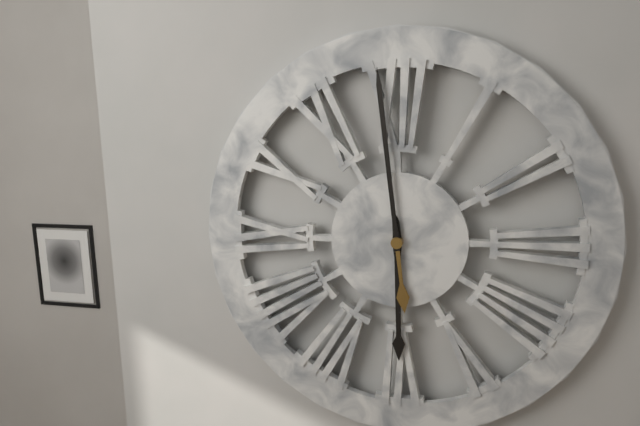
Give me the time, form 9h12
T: 5h59
